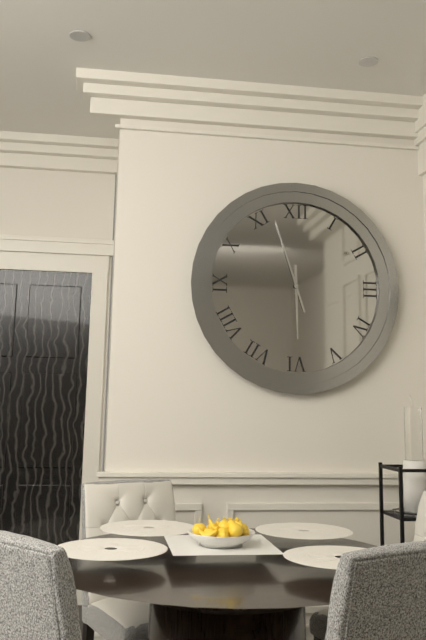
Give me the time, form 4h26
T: 5h57
